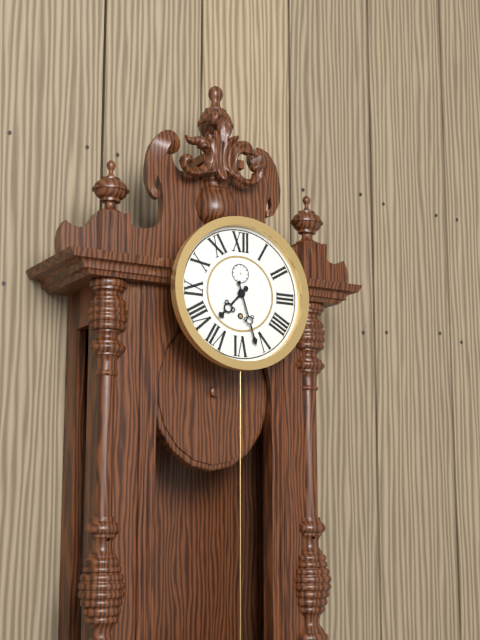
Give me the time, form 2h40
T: 7h27
